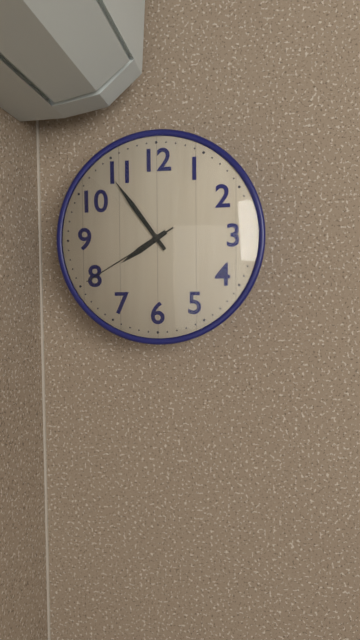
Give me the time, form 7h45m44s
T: 7h54m40s
